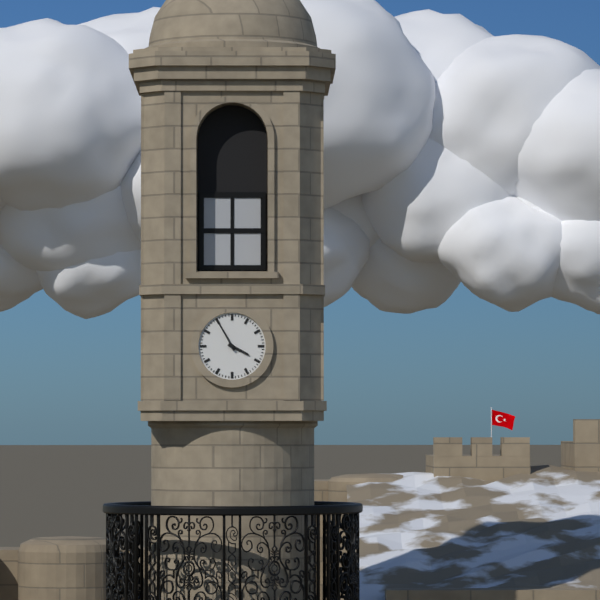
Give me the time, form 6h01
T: 3h55
